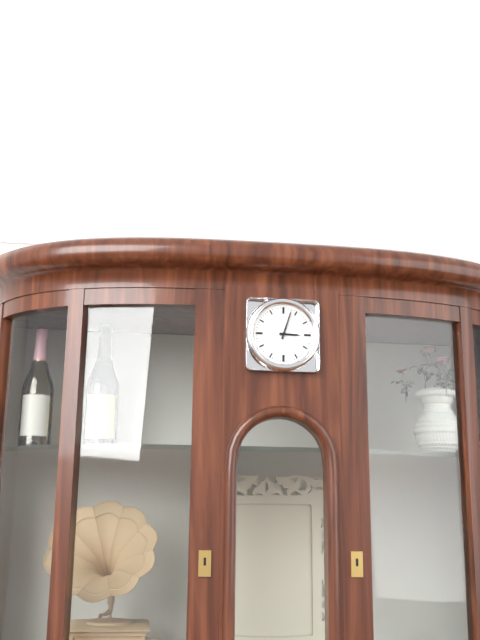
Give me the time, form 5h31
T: 3h03
